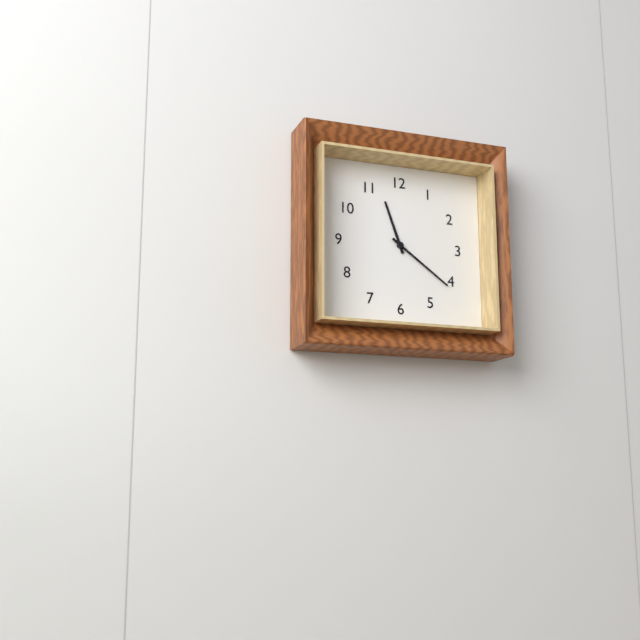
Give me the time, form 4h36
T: 11h21
